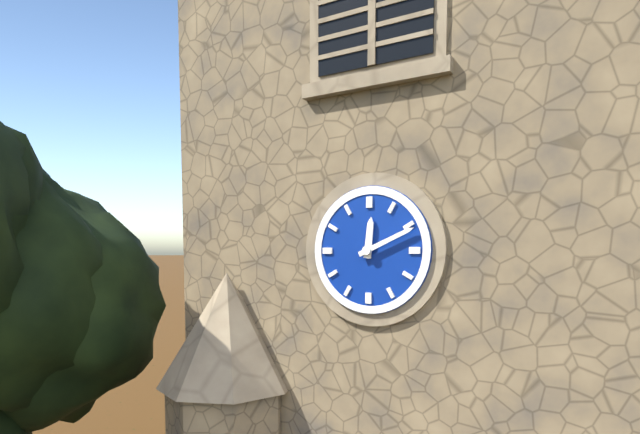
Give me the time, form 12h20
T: 12h11
